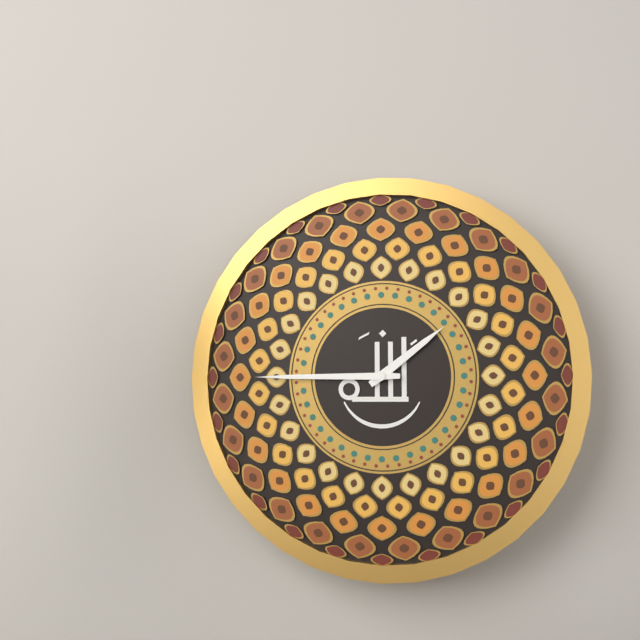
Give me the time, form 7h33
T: 1h45
